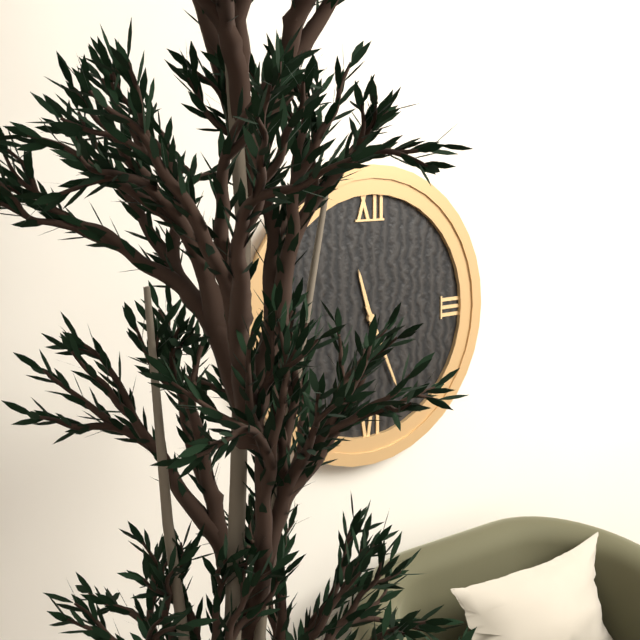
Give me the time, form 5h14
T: 11h26
